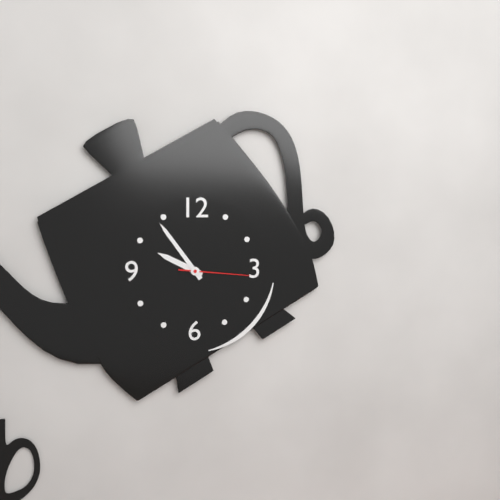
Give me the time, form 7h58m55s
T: 9h54m16s
